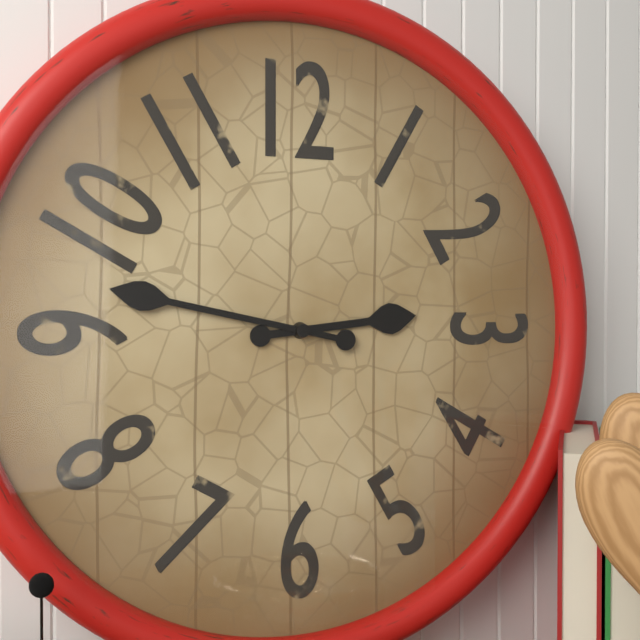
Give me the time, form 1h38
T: 2h47
